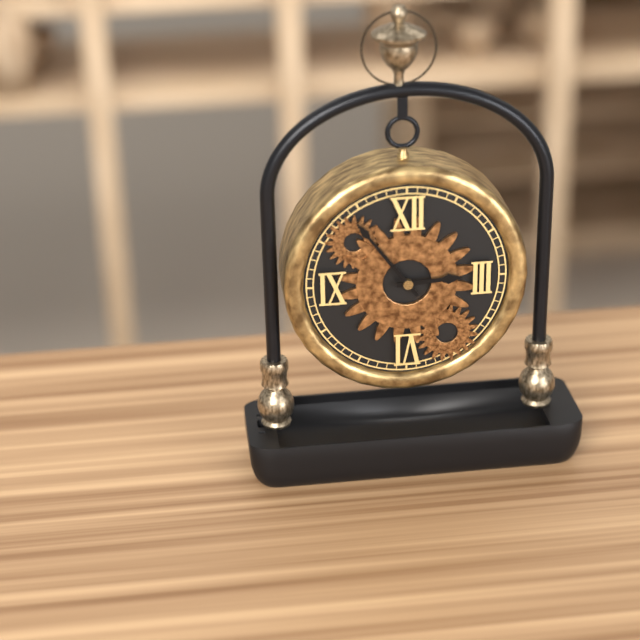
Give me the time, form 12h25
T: 2h54
